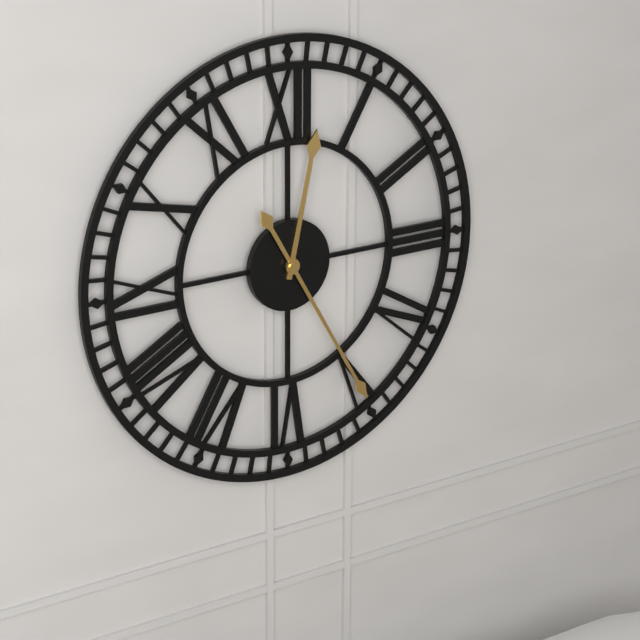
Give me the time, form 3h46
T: 12h25
